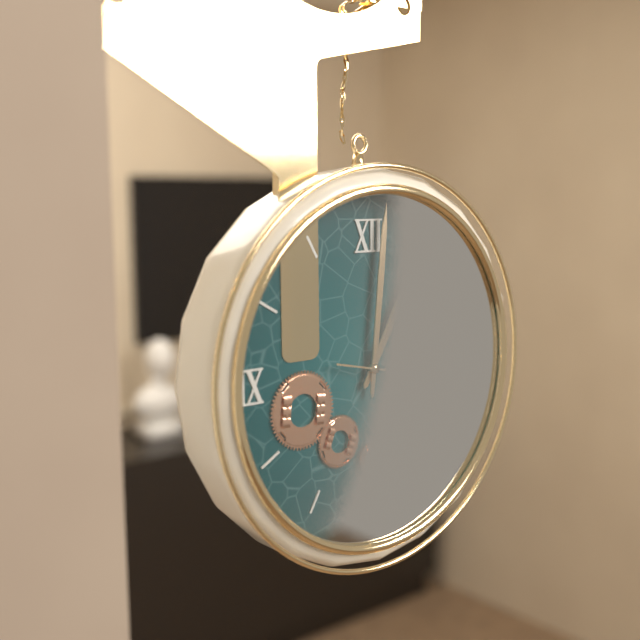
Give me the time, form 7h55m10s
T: 1h01m17s
